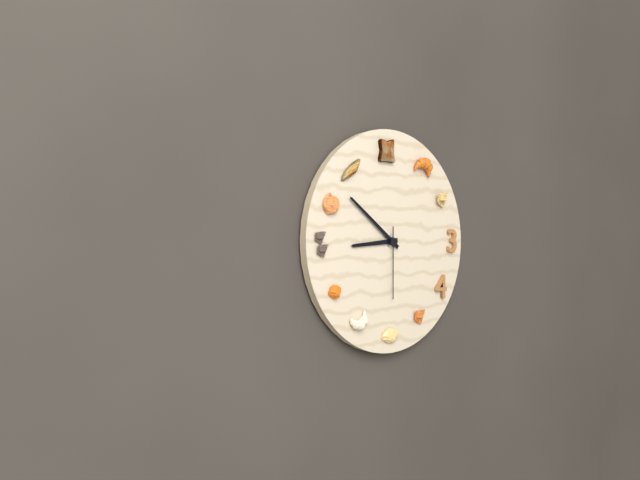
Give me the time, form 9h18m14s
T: 8h51m30s
